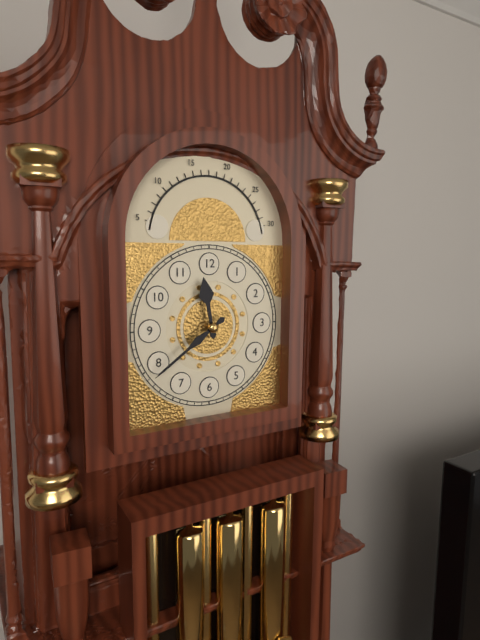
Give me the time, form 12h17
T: 11h39
